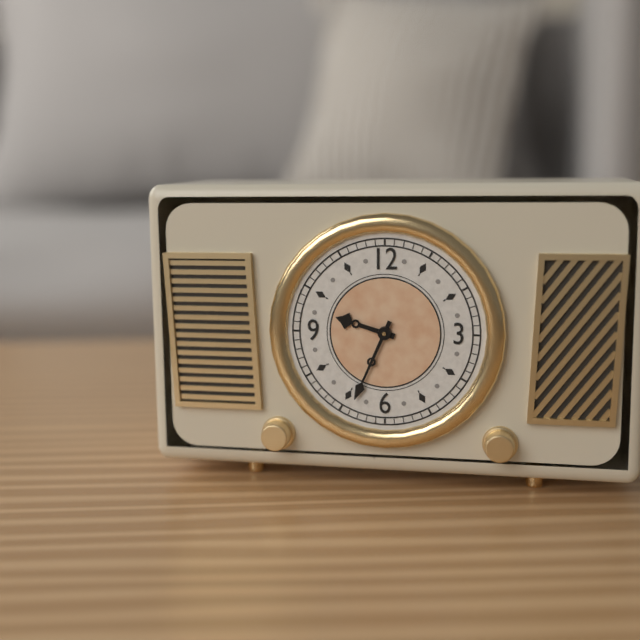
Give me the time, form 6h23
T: 9h34
